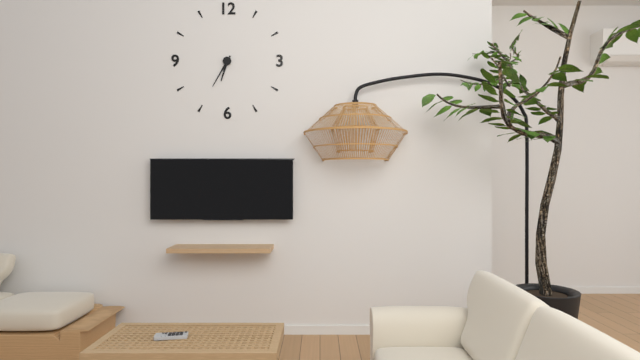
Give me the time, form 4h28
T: 6h35
